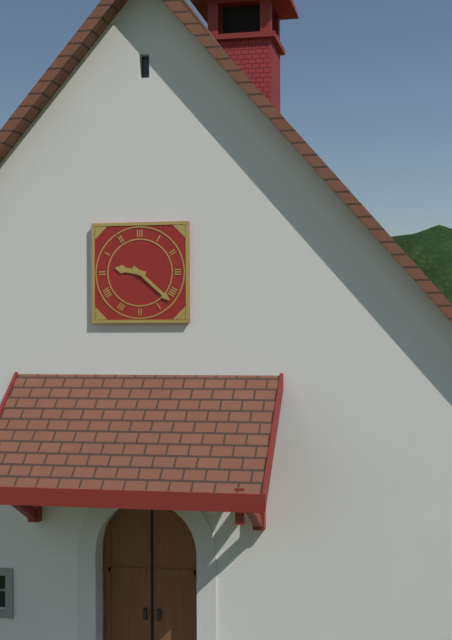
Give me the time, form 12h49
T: 9h22
